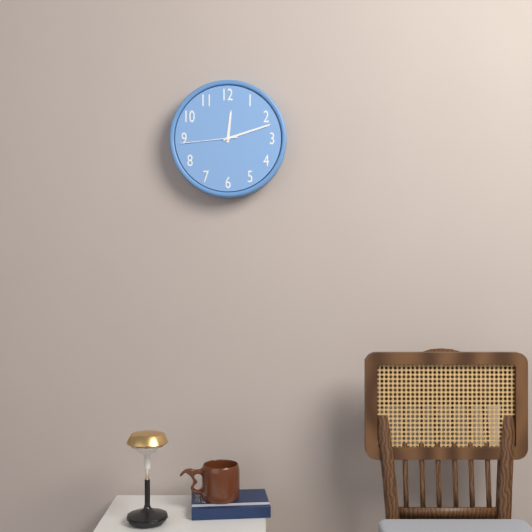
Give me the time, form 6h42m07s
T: 12h12m44s
